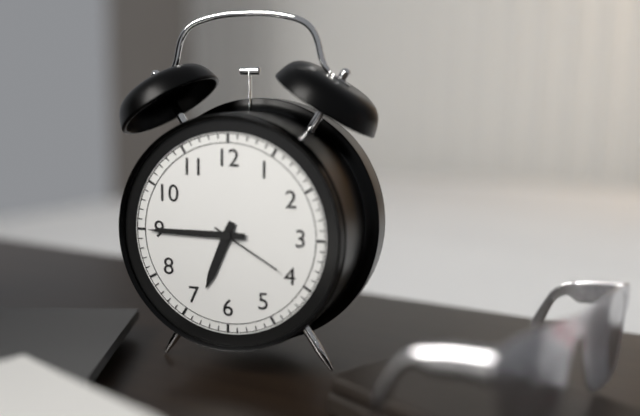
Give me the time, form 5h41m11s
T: 6h45m20s
